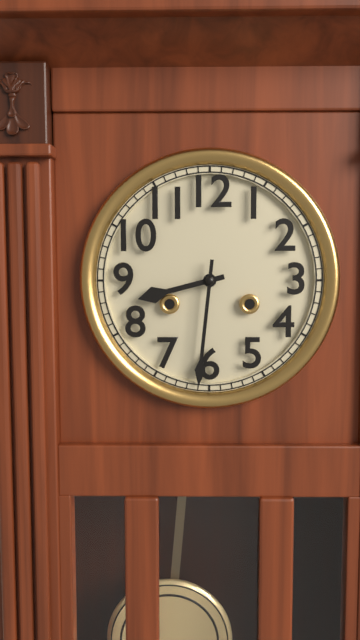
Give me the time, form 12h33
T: 8h31
